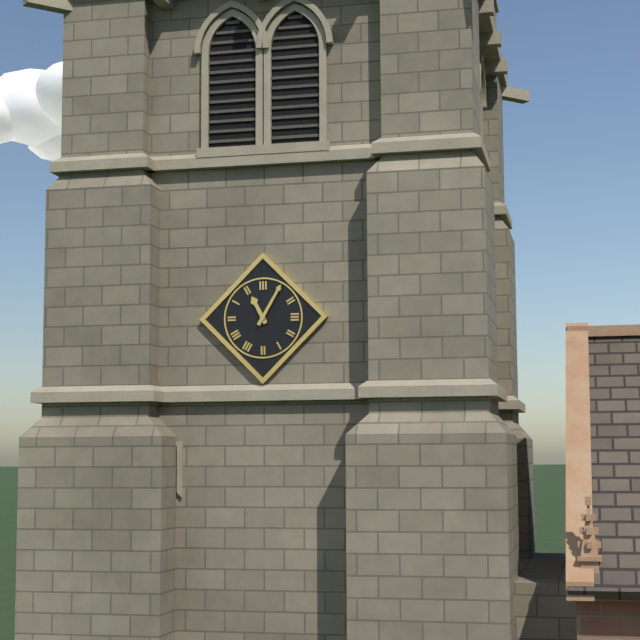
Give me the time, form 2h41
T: 11h05
